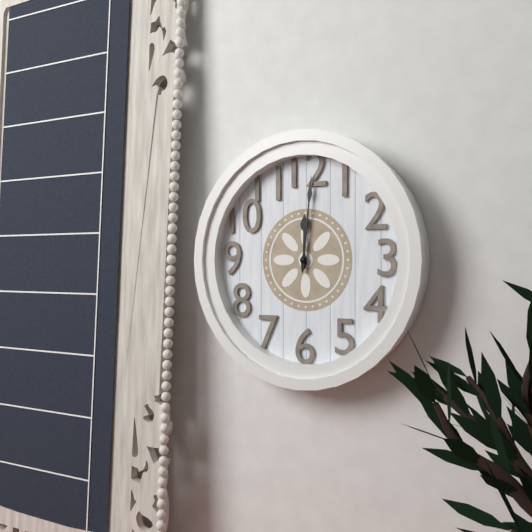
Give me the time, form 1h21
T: 12h01
